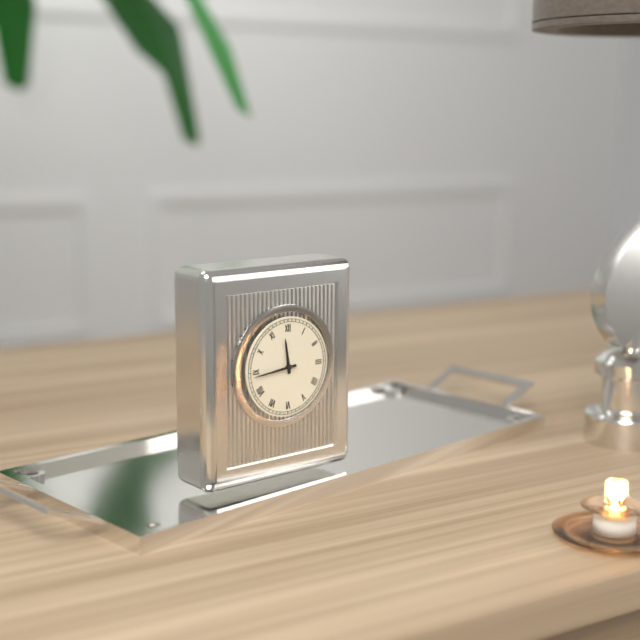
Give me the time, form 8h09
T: 11h44
